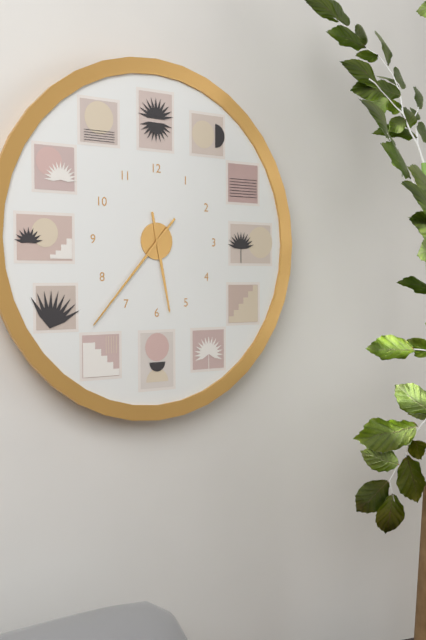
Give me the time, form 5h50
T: 5h37
